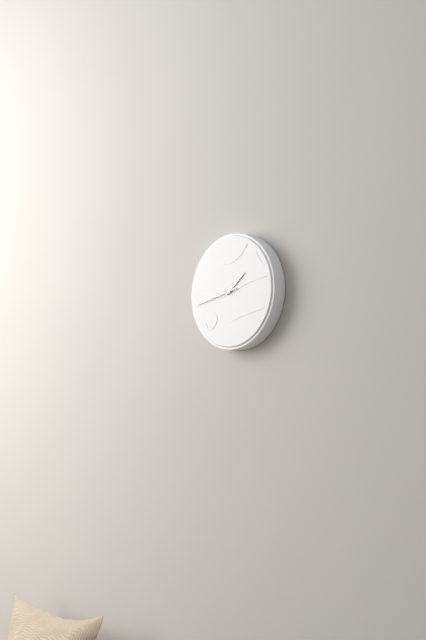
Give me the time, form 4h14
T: 1h43
